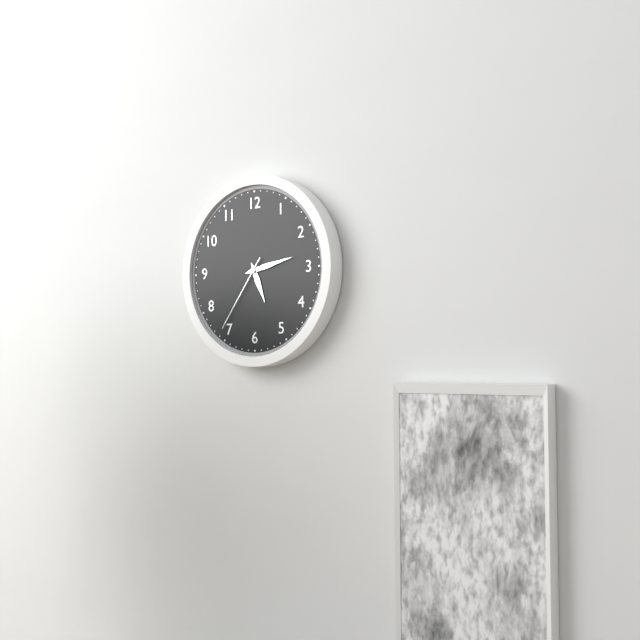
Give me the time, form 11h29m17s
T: 5h13m36s
